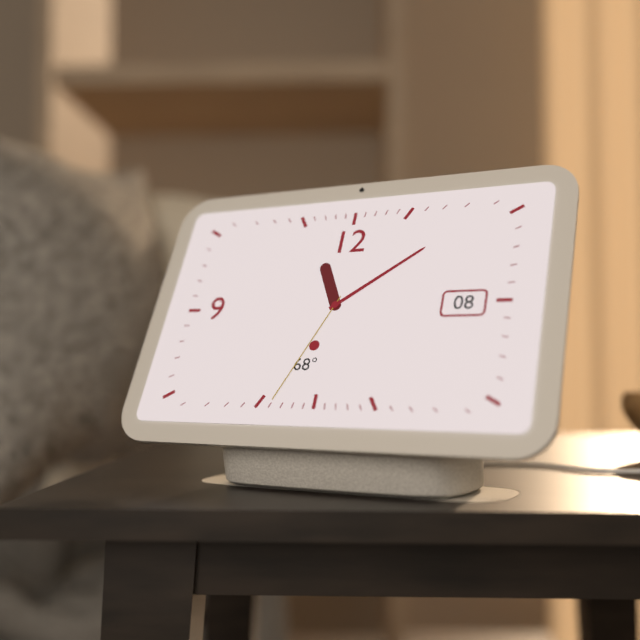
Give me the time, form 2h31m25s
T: 11h09m34s
